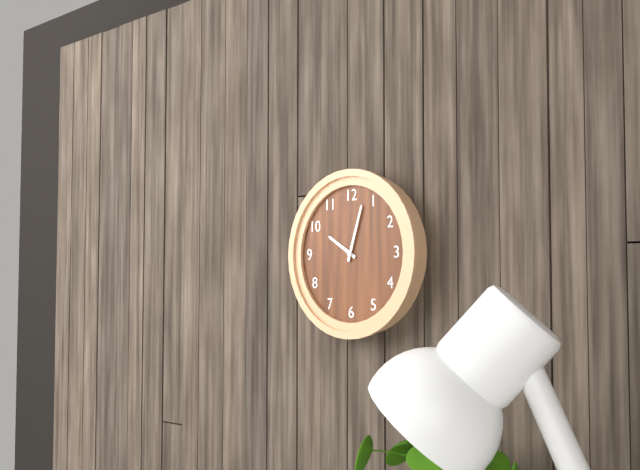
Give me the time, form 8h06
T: 10h03
